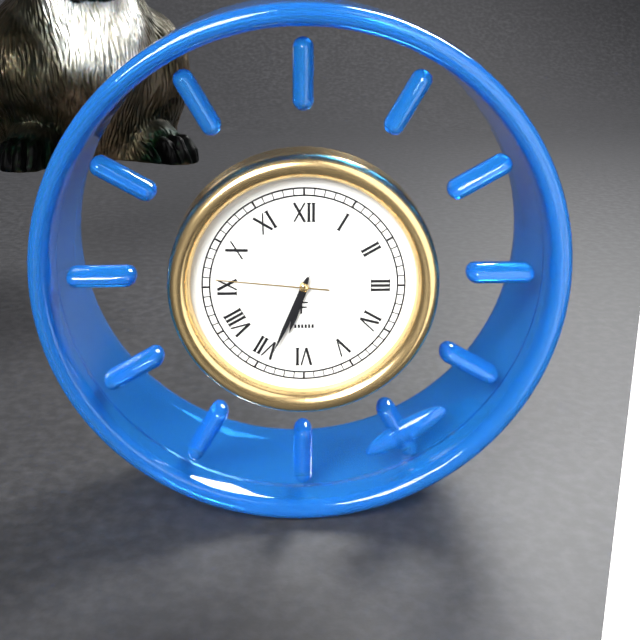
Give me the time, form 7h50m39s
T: 6h34m46s
